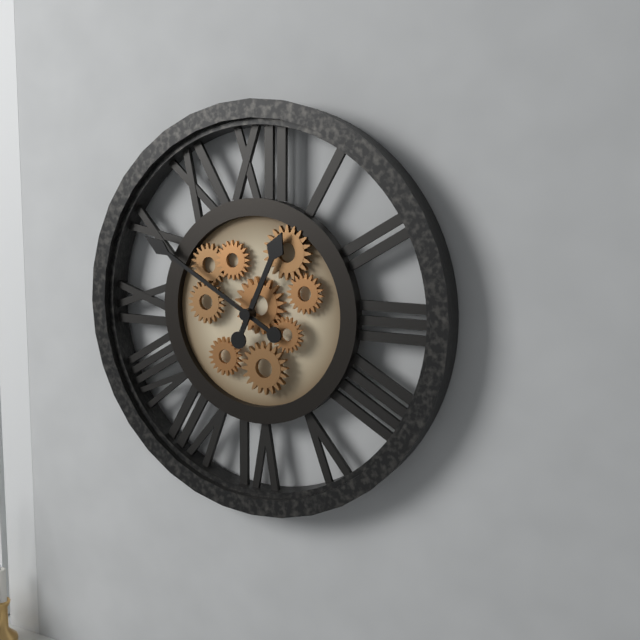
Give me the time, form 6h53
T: 12h50
